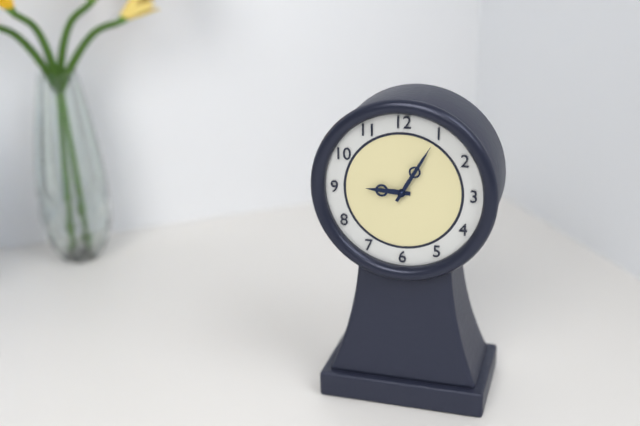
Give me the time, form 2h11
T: 9h05
